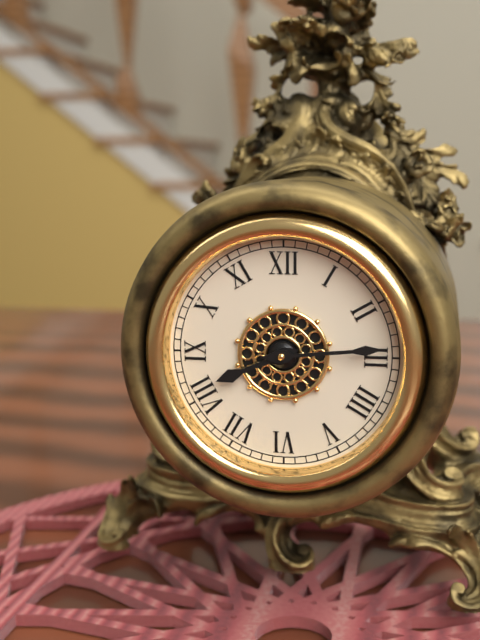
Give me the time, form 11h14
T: 8h14
